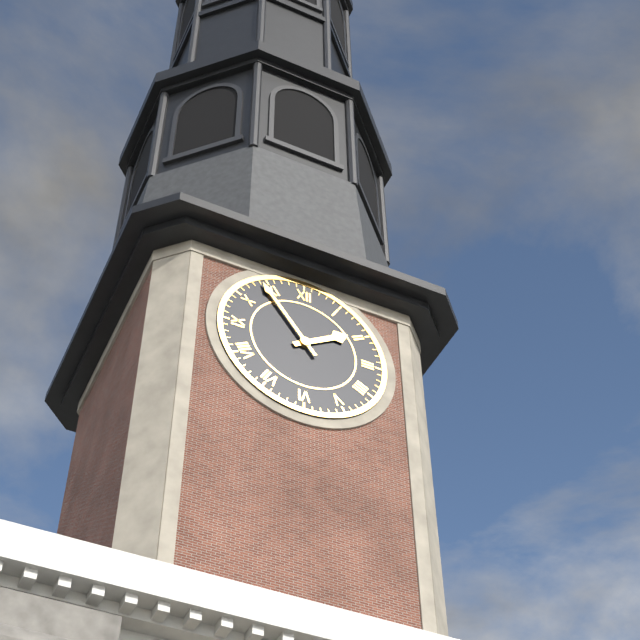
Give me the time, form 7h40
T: 1h54
